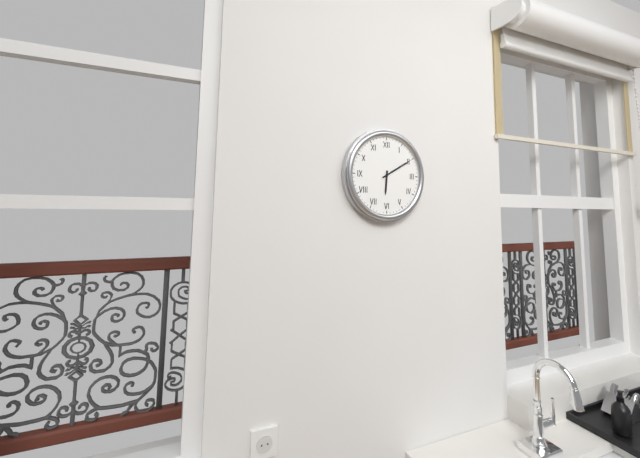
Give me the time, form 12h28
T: 6h10
